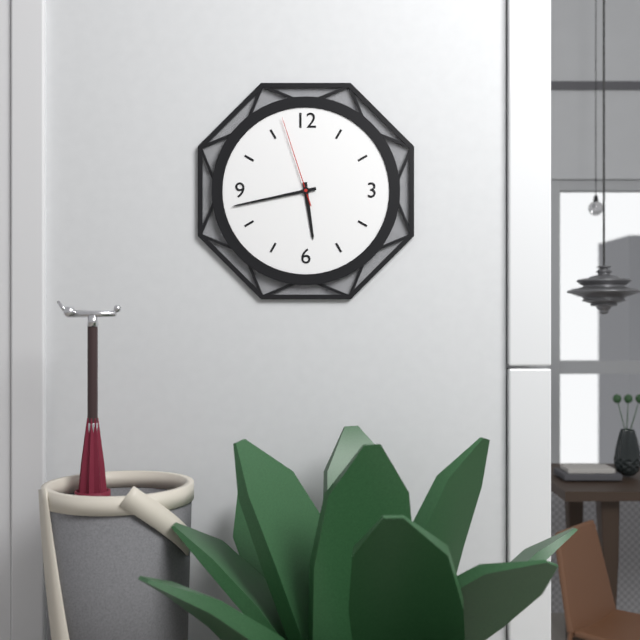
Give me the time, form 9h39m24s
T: 5h43m57s
